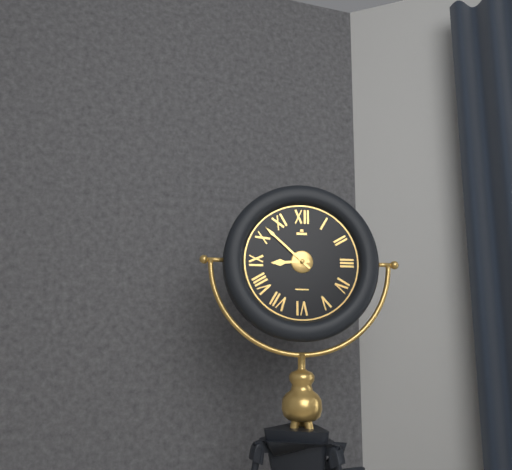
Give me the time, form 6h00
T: 8h52
